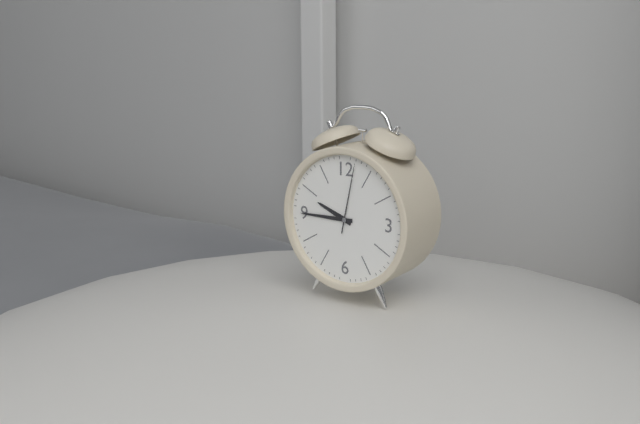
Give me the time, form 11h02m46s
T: 9h45m02s
